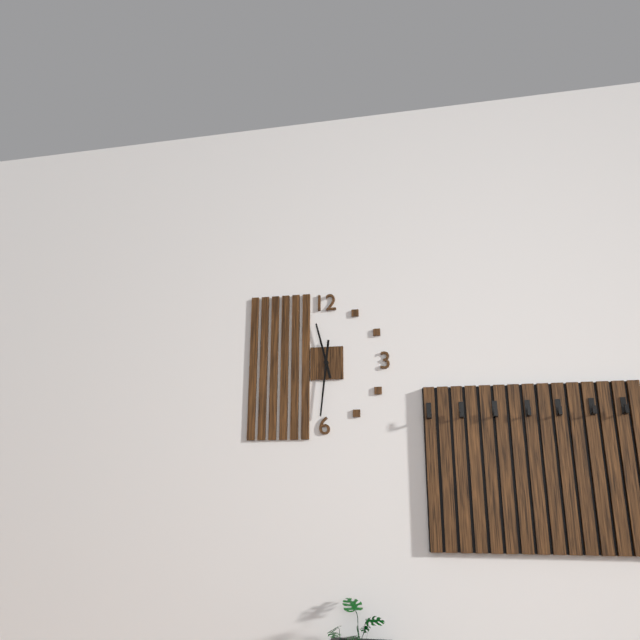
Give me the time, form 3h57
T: 11h31
